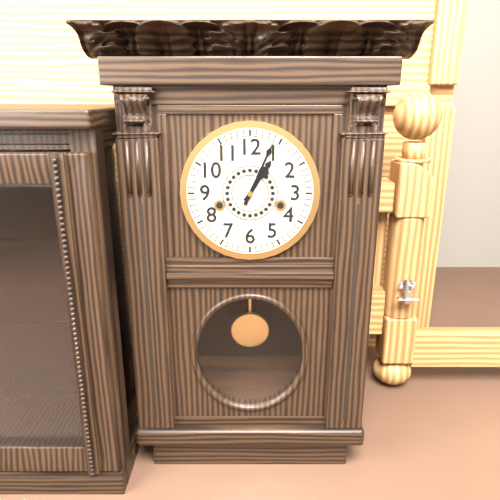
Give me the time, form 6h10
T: 1h04
